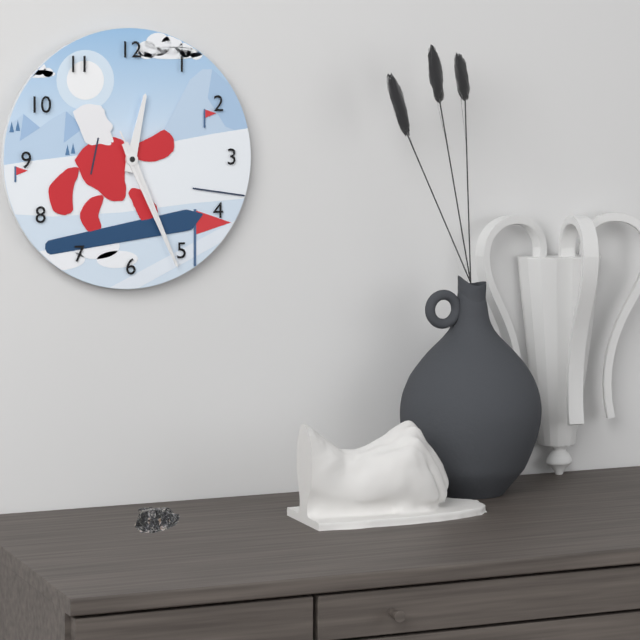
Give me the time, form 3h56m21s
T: 12h26m26s
